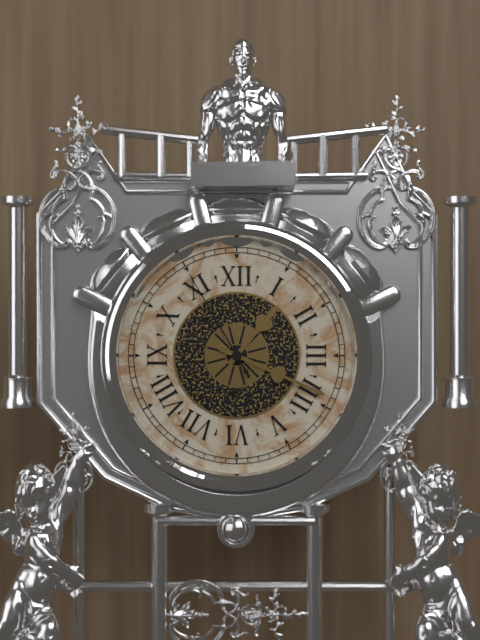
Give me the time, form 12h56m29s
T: 1h19m55s
